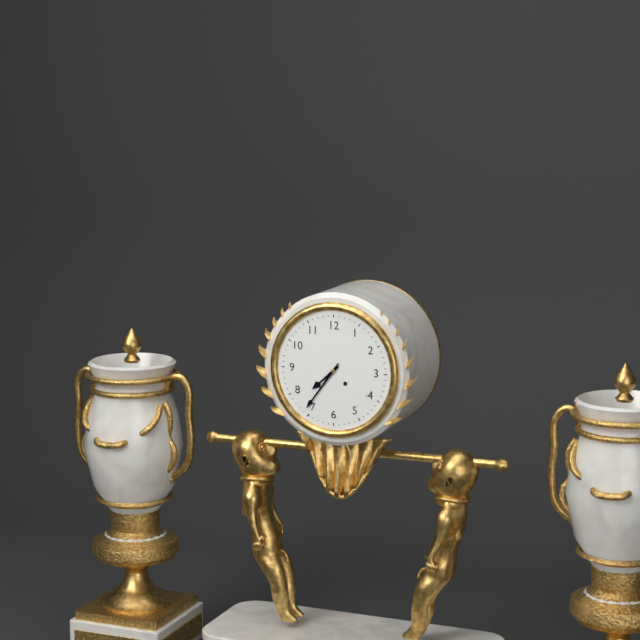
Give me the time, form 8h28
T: 7h36
